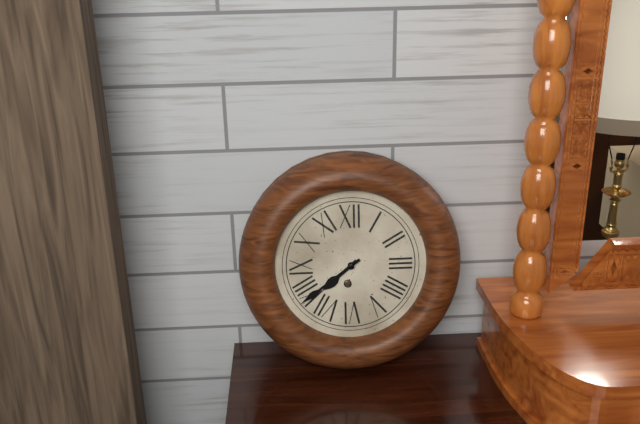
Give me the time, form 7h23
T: 7h39
